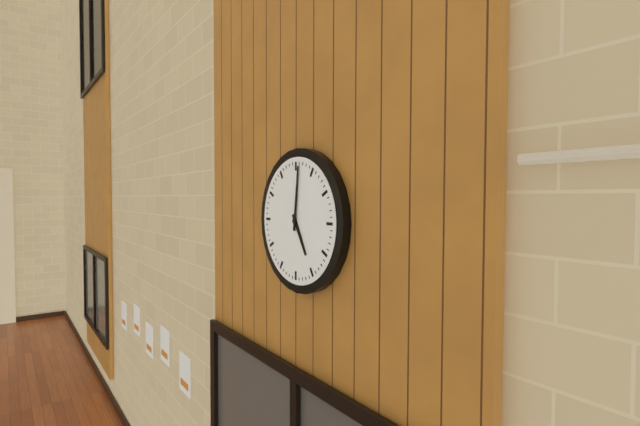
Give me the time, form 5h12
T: 5h01
